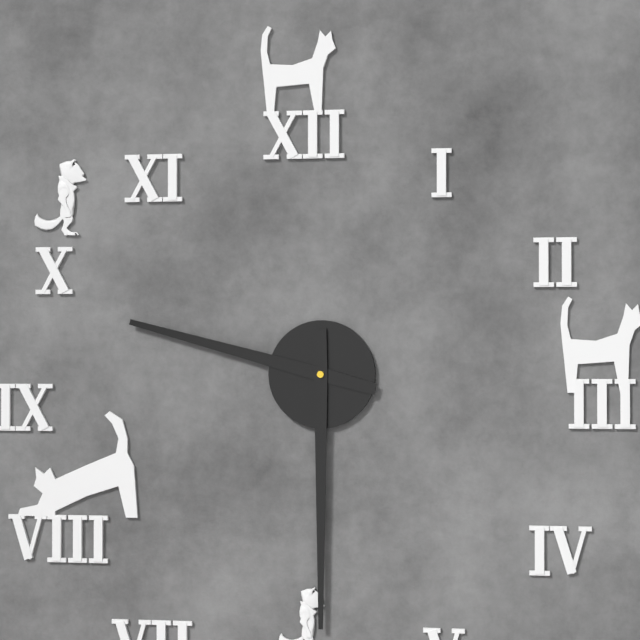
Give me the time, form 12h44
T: 9h30
